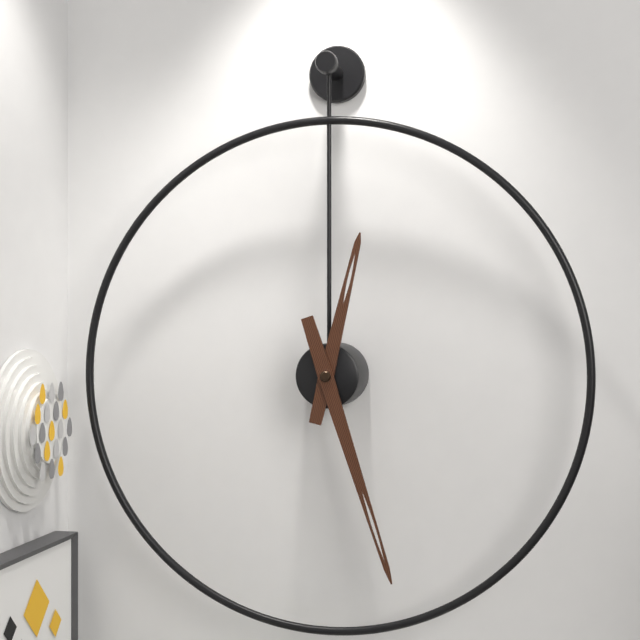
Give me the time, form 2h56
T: 12h27
